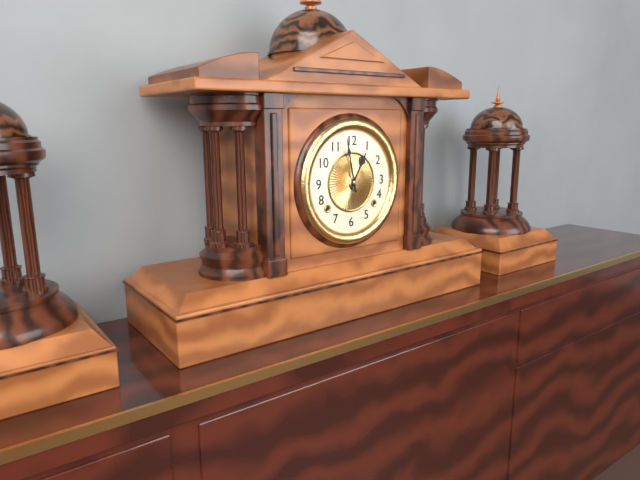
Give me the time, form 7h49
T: 12h58
